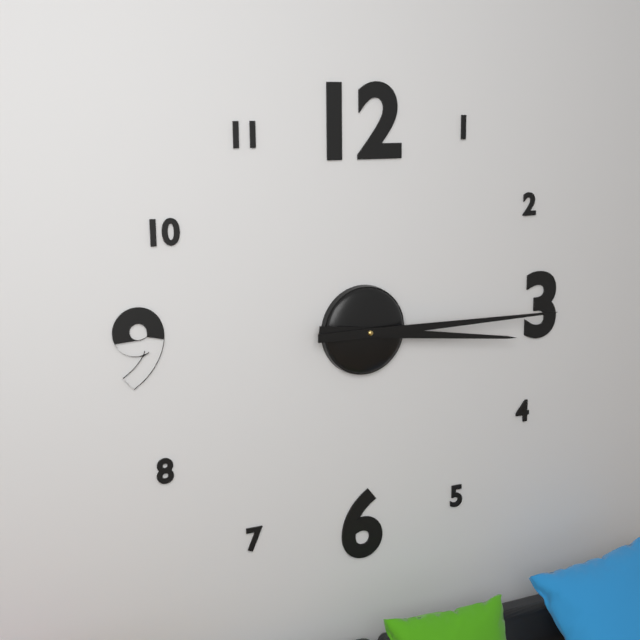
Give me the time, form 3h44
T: 3h15
